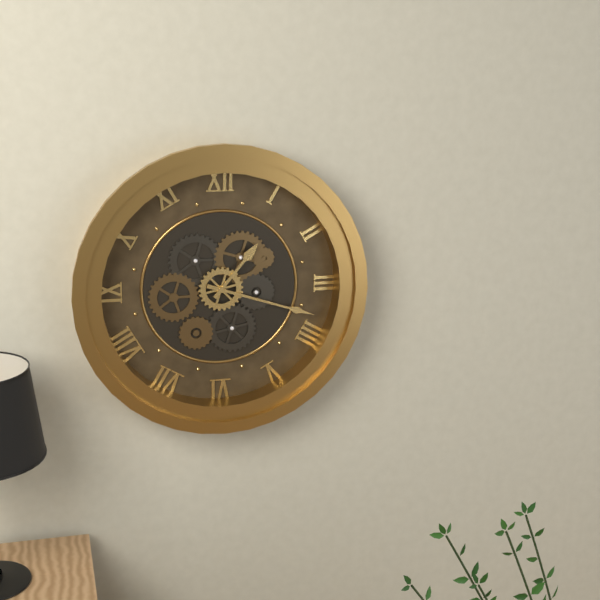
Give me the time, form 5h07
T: 1h18
